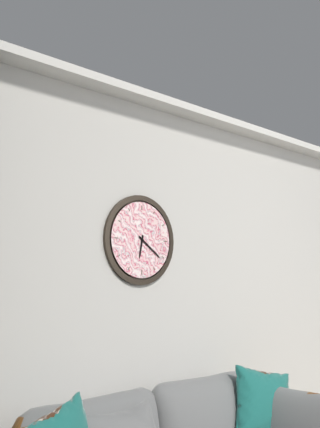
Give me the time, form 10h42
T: 6h21
